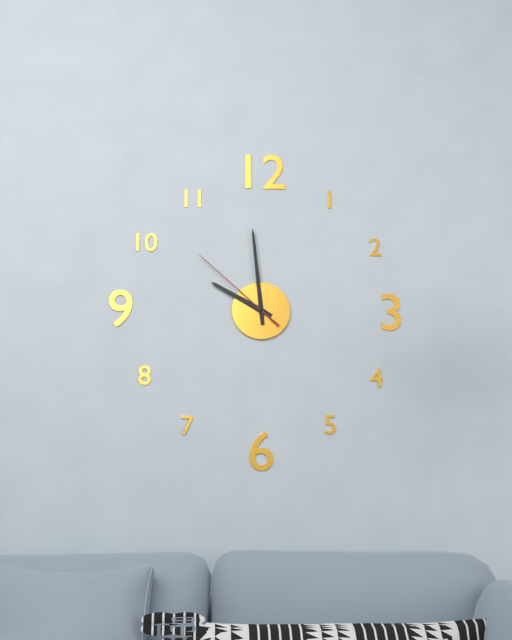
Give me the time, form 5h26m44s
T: 9h59m52s
